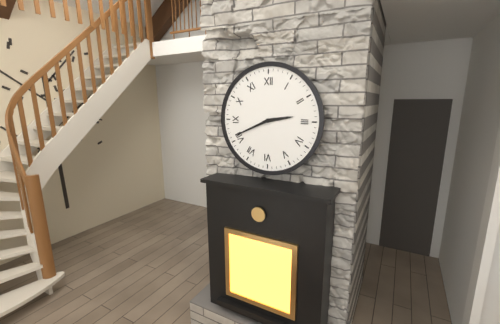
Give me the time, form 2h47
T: 2h41
